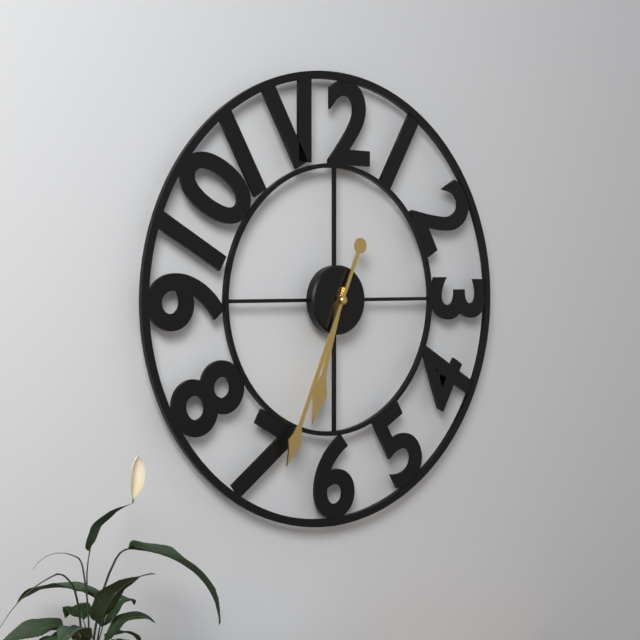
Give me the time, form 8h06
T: 6h34
